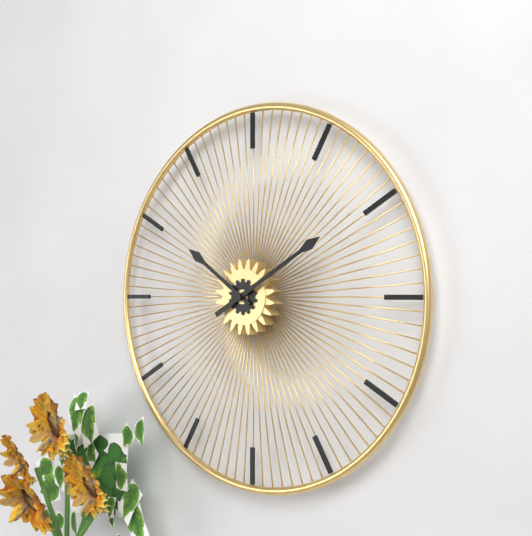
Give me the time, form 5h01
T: 10h10
